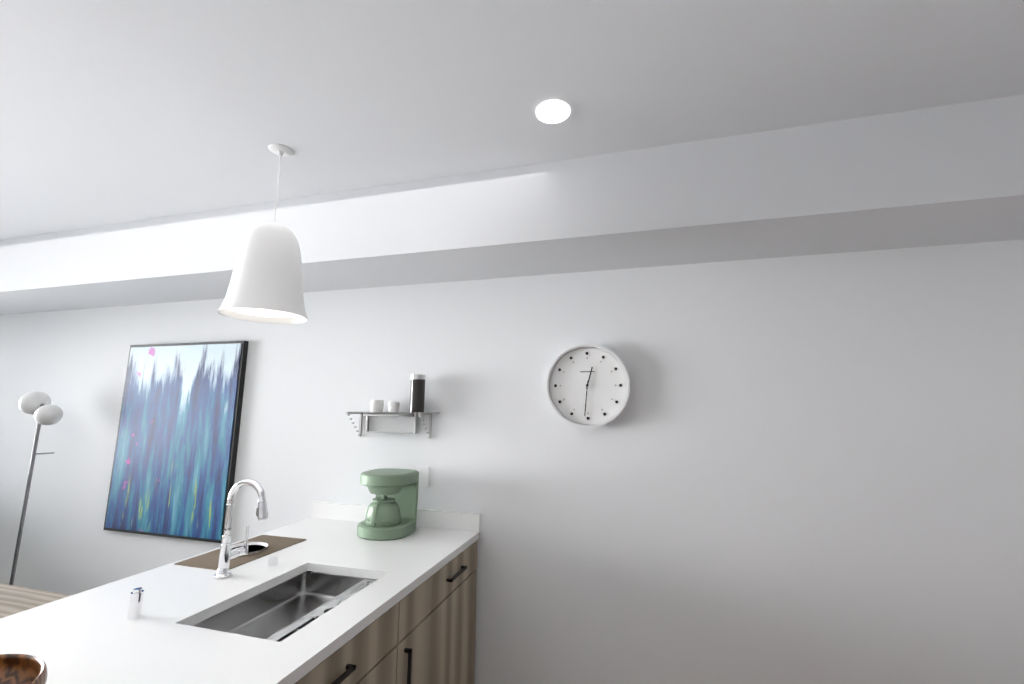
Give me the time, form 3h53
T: 12h31
